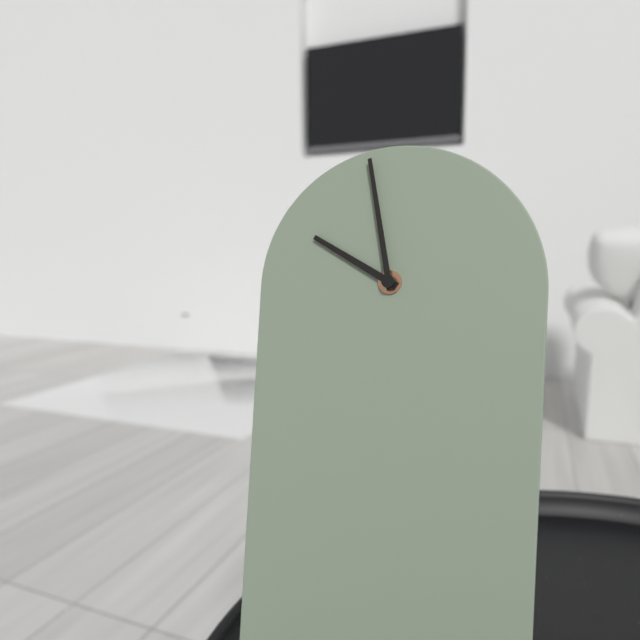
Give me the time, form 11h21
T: 9h58
